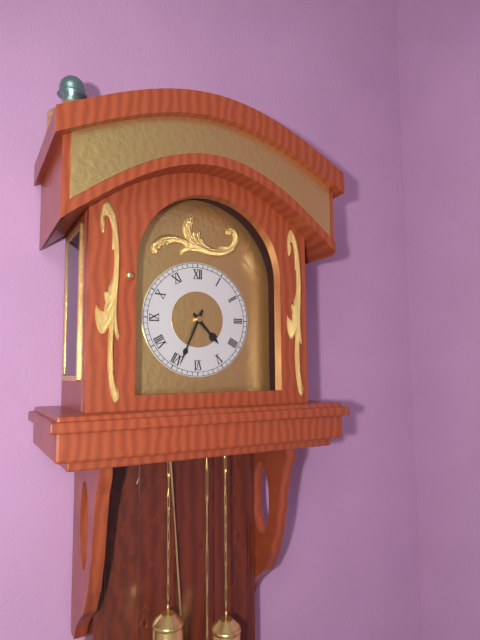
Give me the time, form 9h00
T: 4h34
